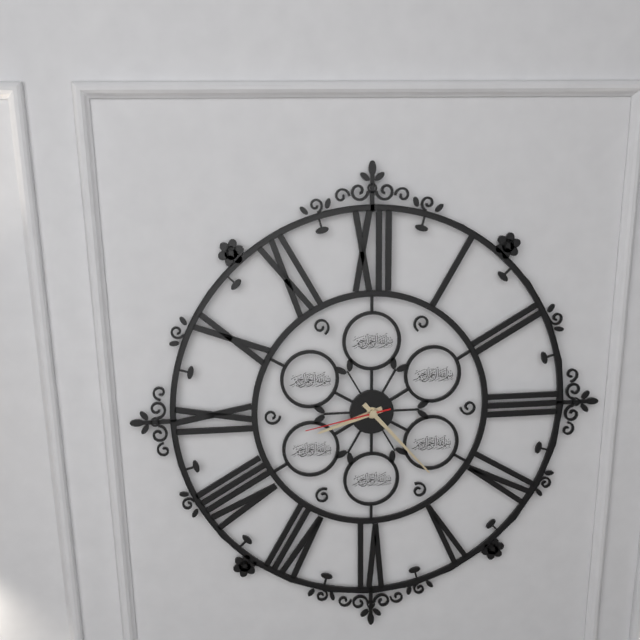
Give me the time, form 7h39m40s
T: 8h23m43s
